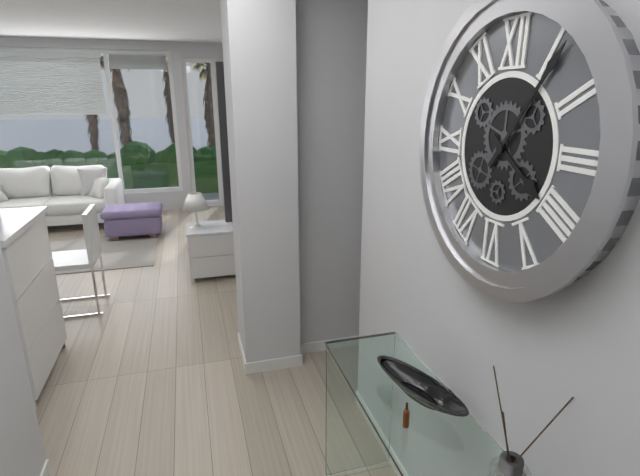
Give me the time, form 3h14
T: 4h06
